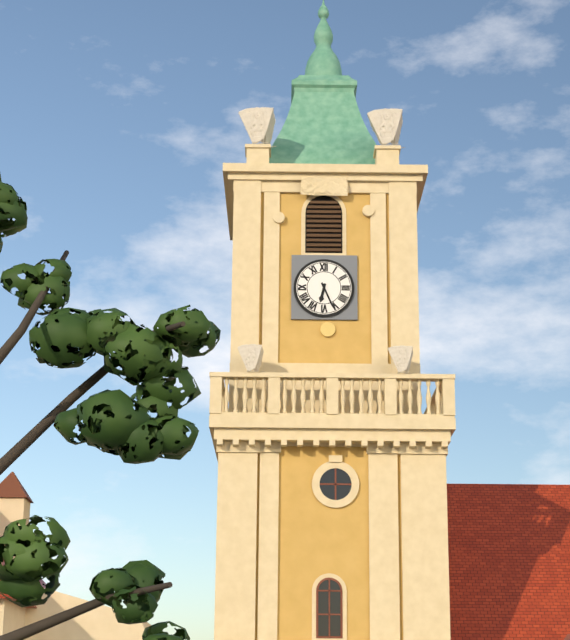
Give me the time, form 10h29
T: 6h26
